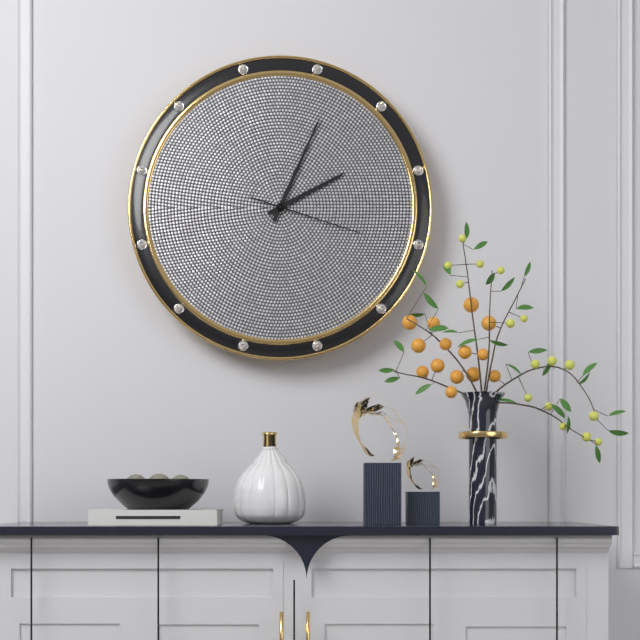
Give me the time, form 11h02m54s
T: 2h04m18s
